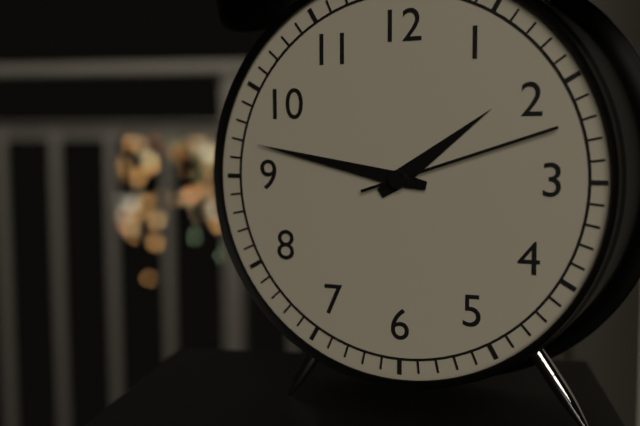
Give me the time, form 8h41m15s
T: 1h47m12s
